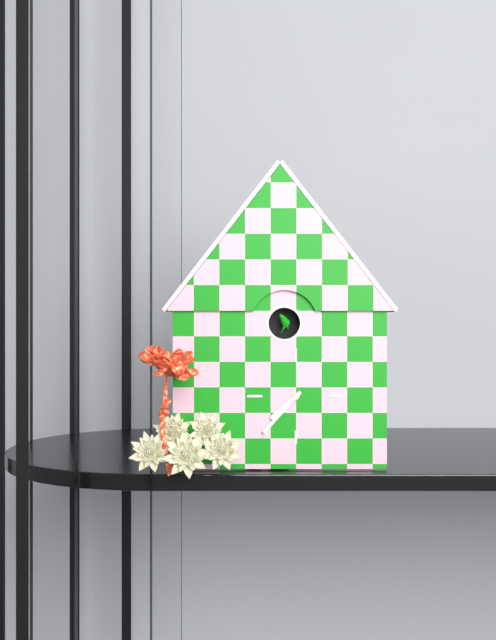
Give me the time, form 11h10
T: 7h37
